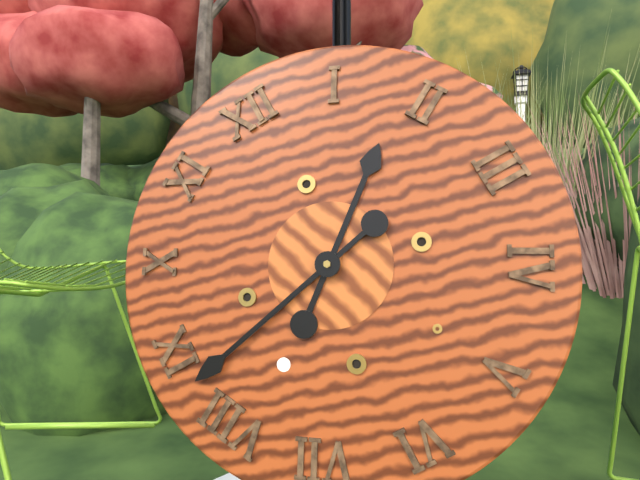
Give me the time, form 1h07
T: 1h43
